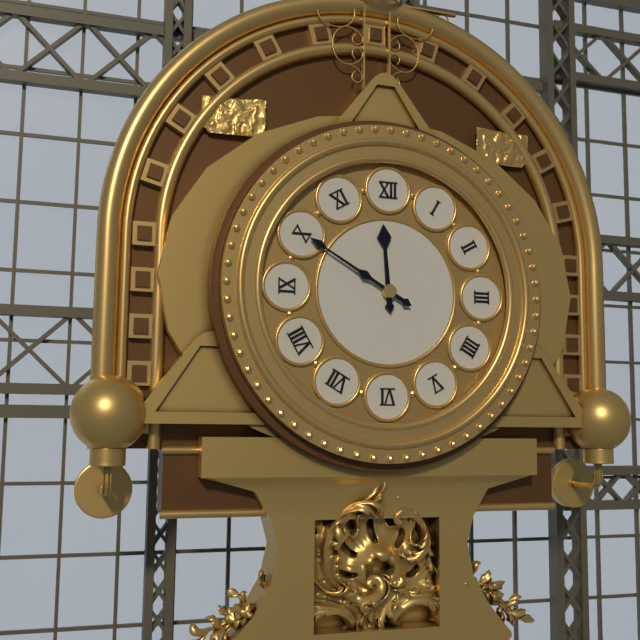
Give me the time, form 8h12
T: 11h50
